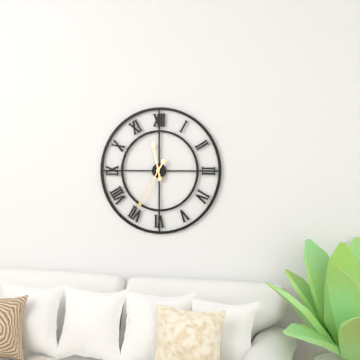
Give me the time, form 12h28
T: 11h35
